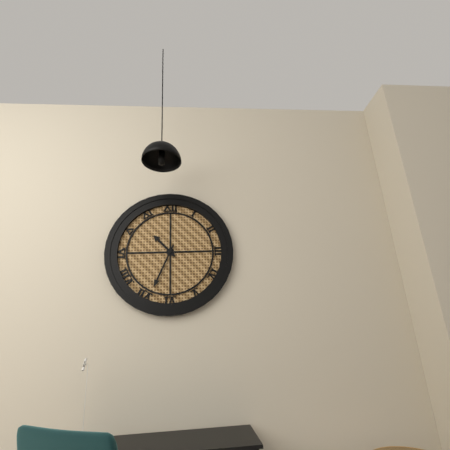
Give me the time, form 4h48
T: 10h34
